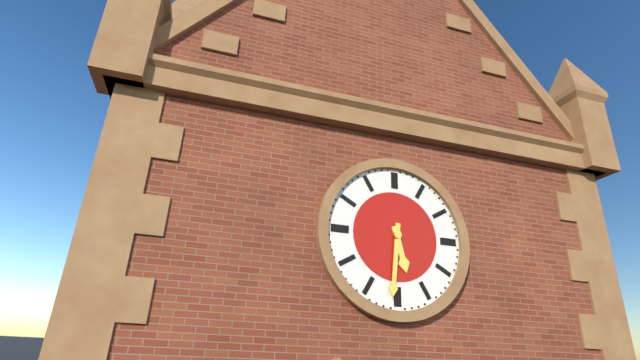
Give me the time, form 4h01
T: 5h31
